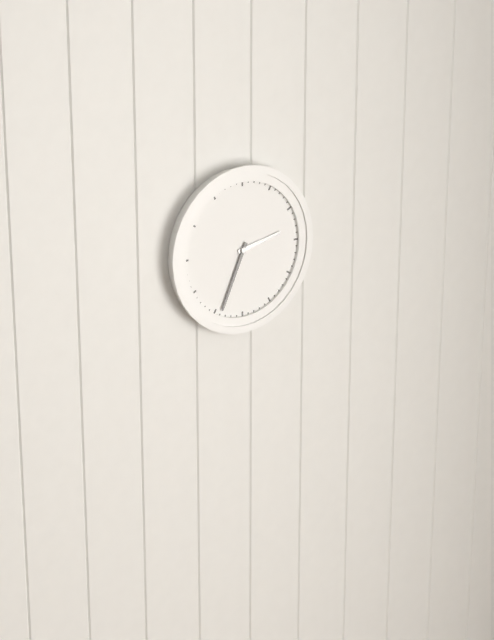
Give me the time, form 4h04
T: 2h34
